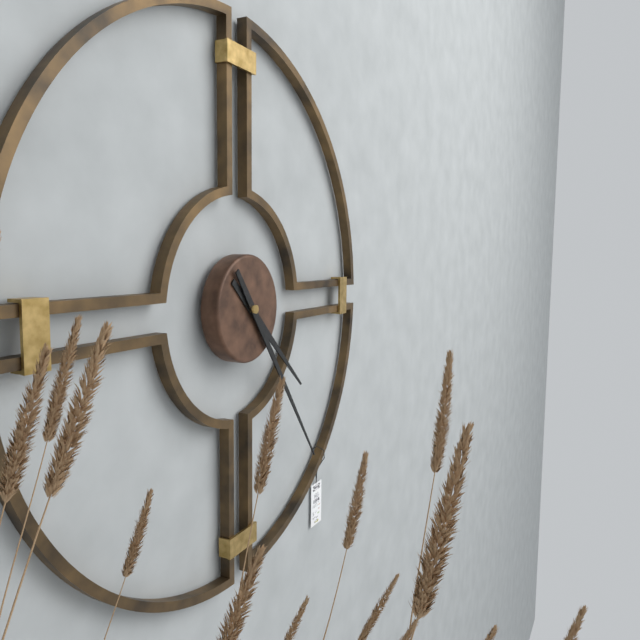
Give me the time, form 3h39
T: 4h24
